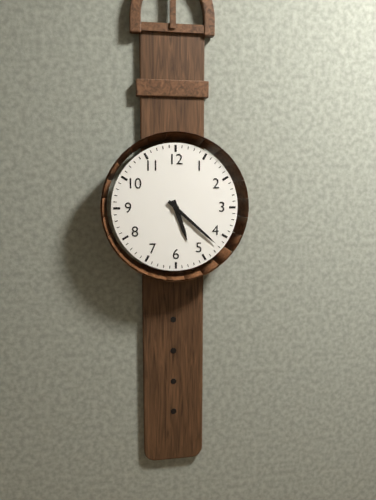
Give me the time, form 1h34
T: 5h22
